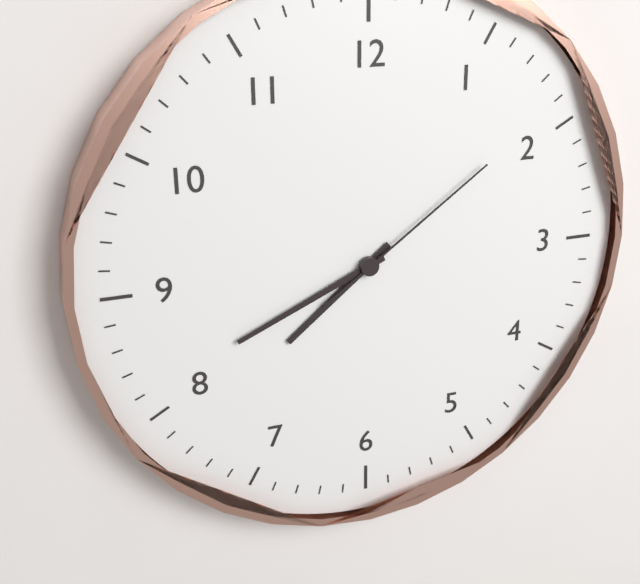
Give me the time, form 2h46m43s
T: 7h41m09s
